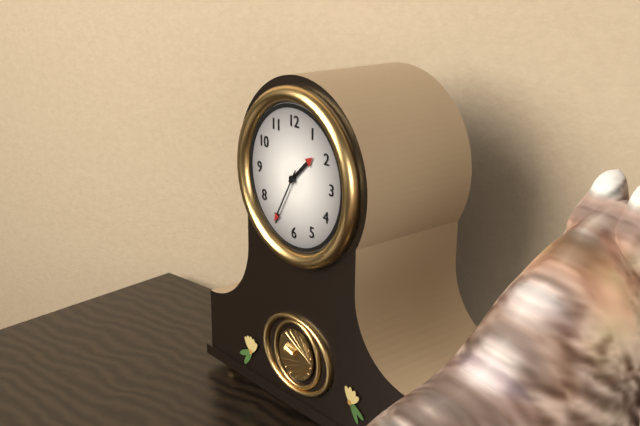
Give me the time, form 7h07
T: 1h35
